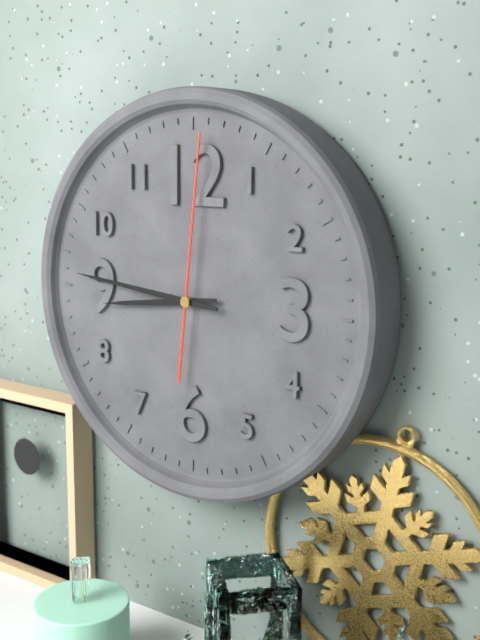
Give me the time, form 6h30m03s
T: 8h46m01s
